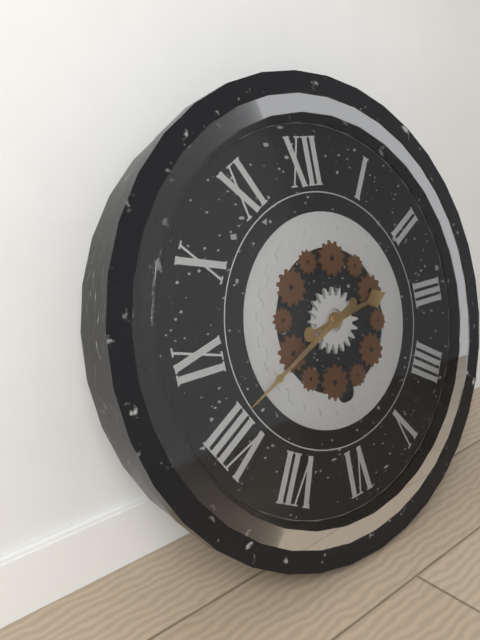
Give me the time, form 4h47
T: 2h41
